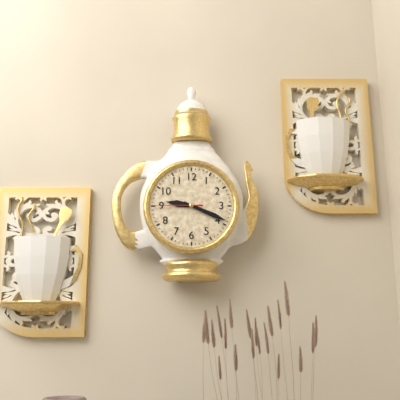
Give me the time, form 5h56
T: 9h19
